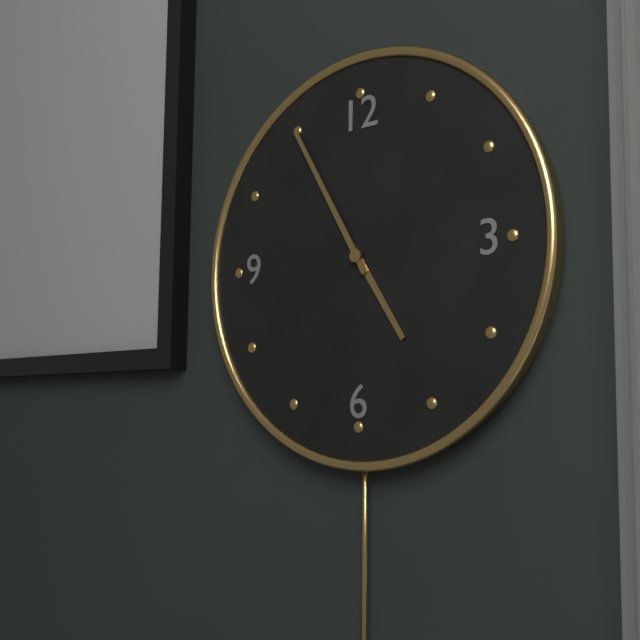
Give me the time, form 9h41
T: 4h55
